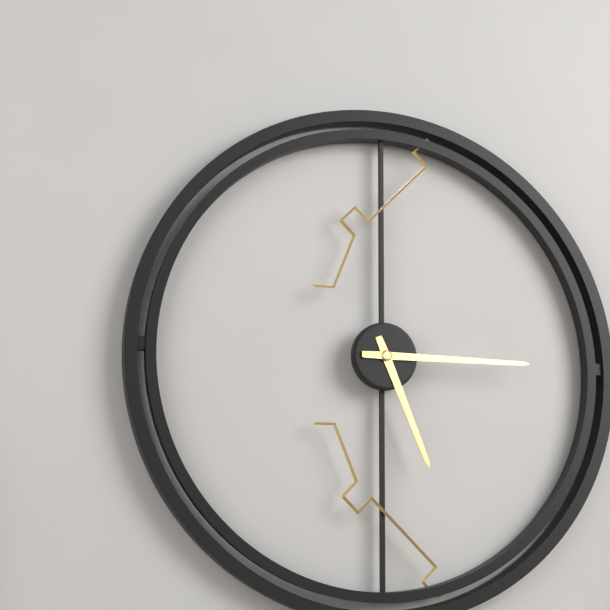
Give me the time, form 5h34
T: 5h15
